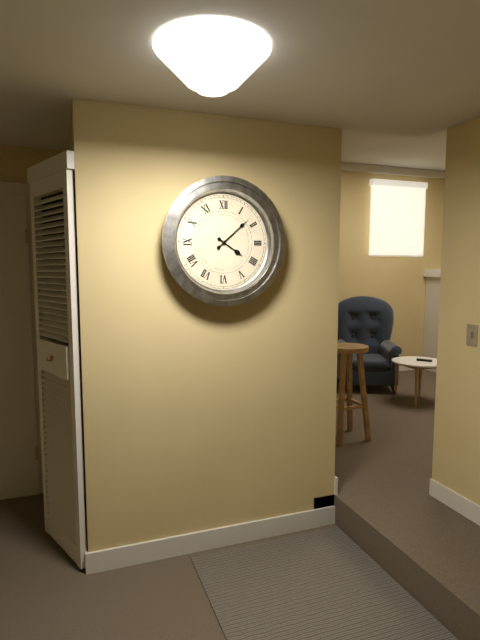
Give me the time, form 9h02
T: 4h08
